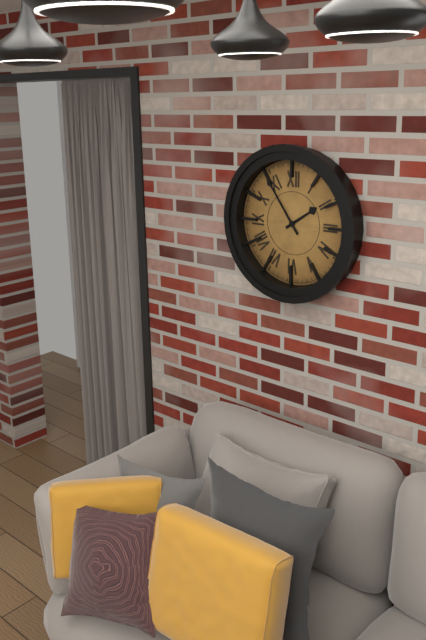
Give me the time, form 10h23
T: 1h54
